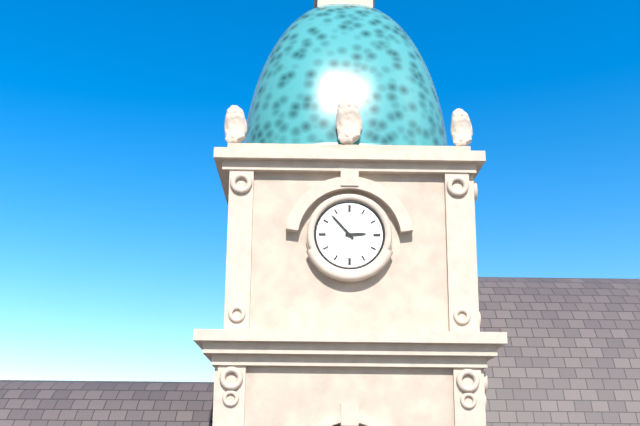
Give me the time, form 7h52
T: 2h53
